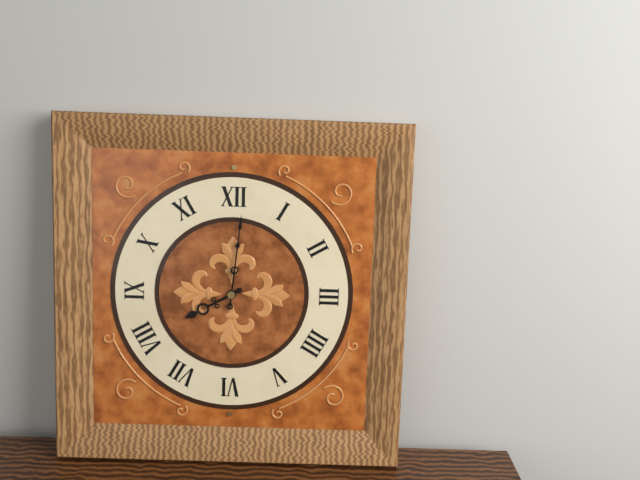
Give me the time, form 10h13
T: 8h01
